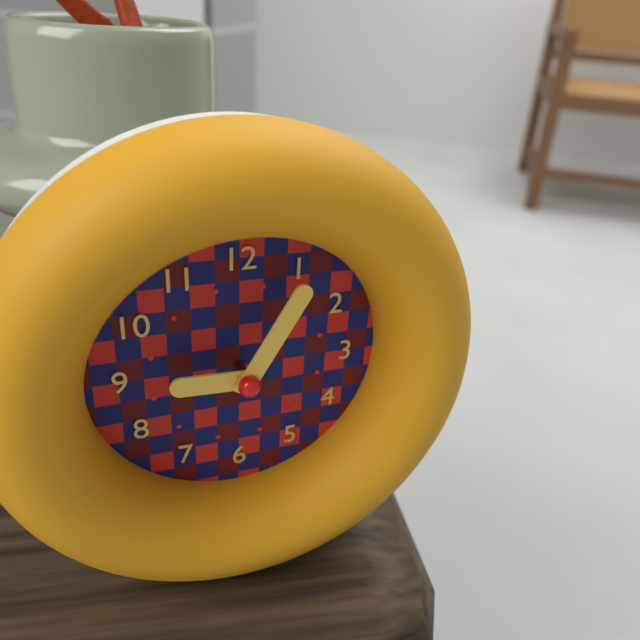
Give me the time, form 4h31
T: 9h05
